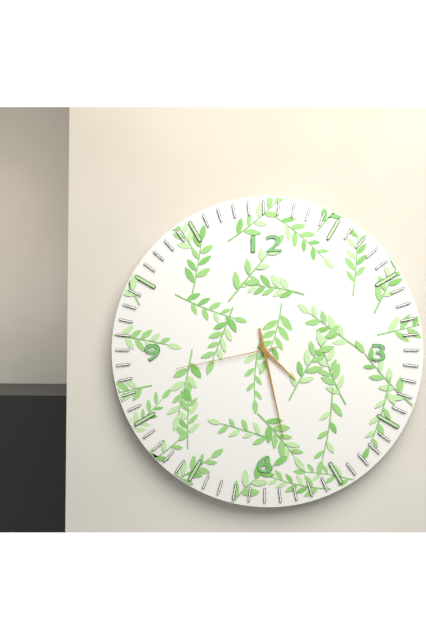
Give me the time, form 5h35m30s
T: 4h28m43s
